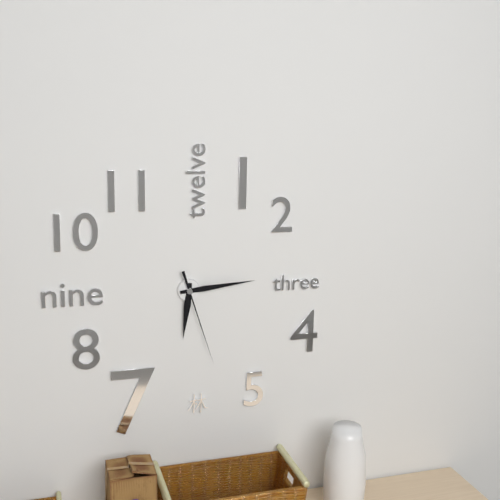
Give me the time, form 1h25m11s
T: 6h14m27s
